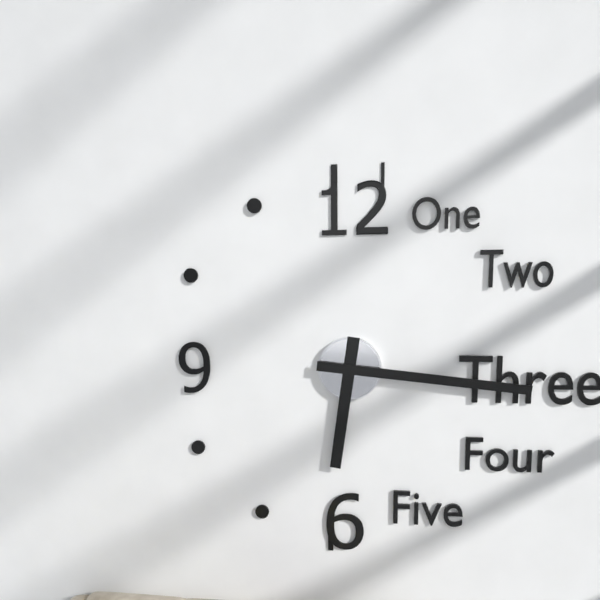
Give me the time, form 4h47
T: 6h16
